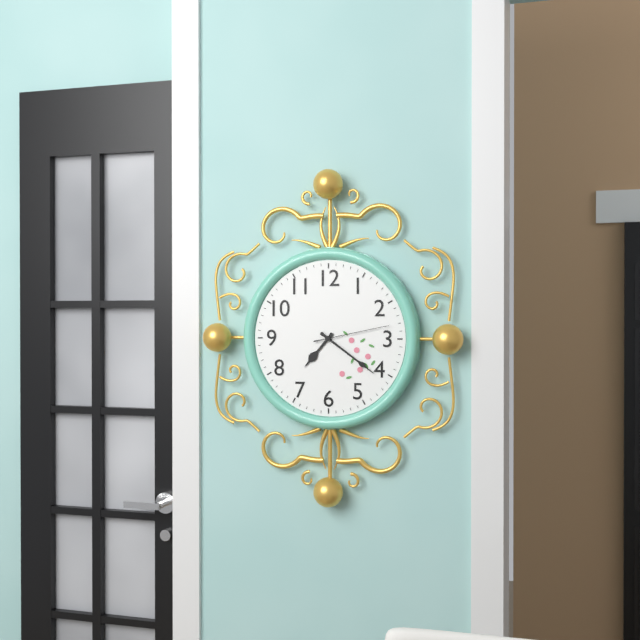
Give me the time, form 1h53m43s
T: 7h21m13s
